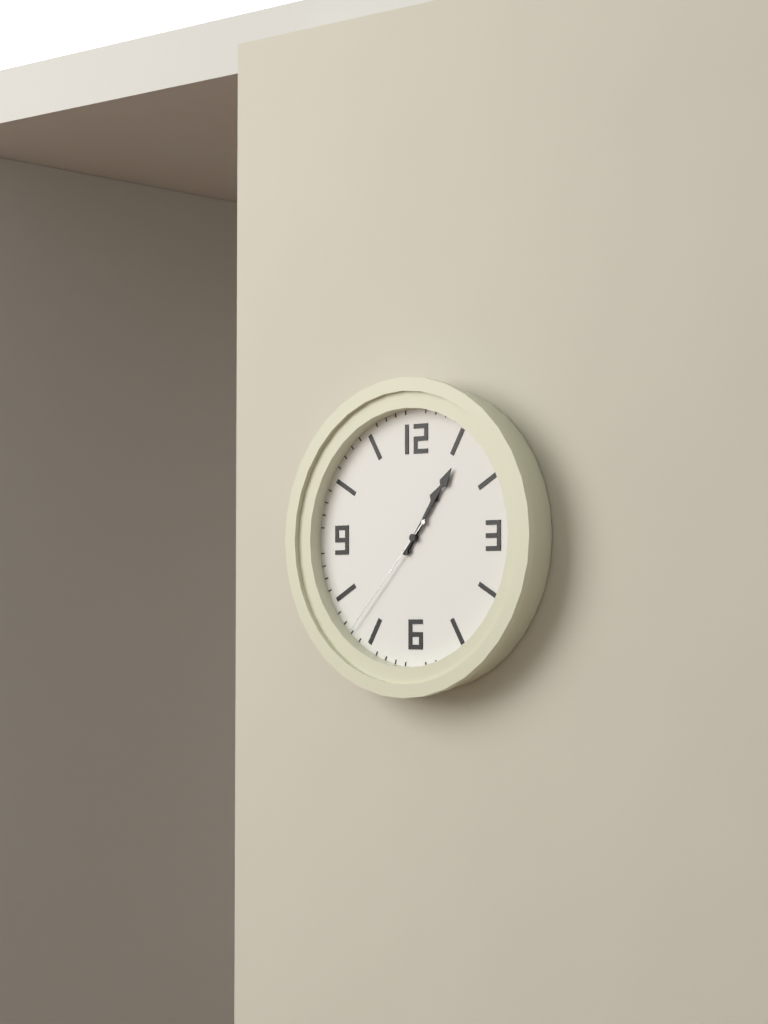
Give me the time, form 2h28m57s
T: 1h06m37s
